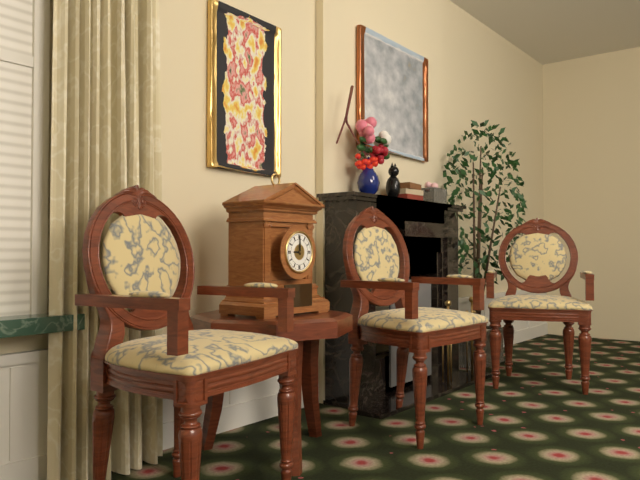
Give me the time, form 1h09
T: 9h00
